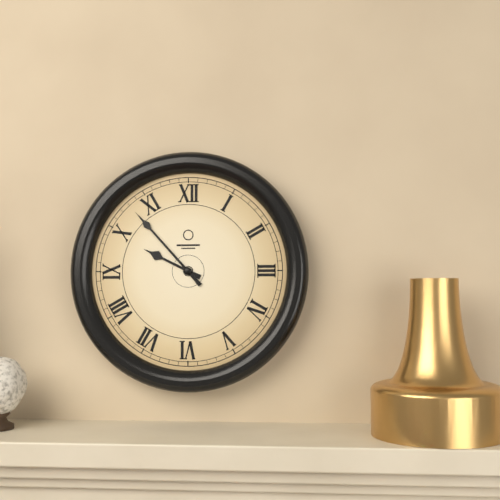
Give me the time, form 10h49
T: 9h53
